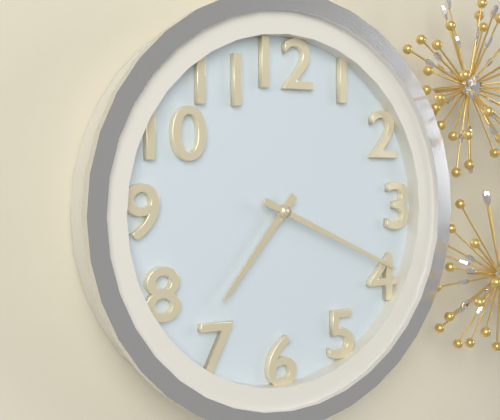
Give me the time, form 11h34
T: 7h19
